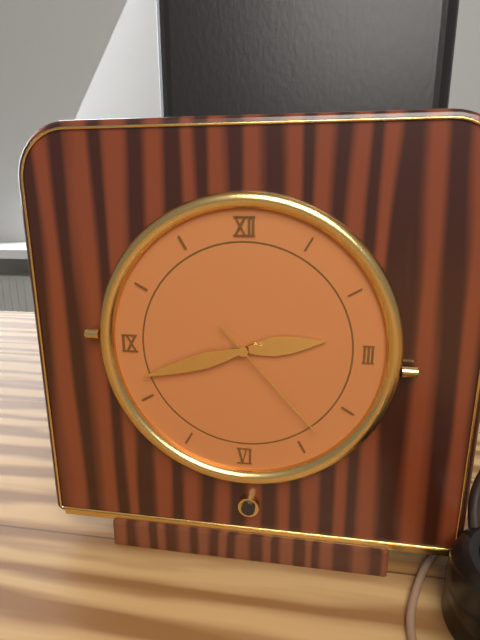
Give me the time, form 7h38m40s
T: 2h42m23s
